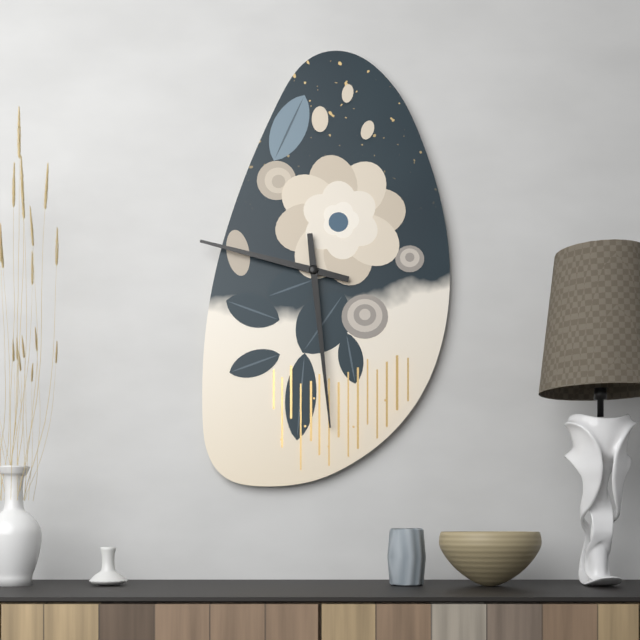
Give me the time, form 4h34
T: 9h29
